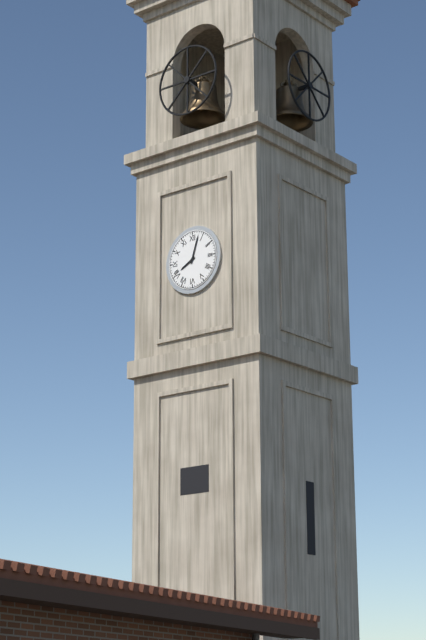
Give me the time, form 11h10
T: 8h03
